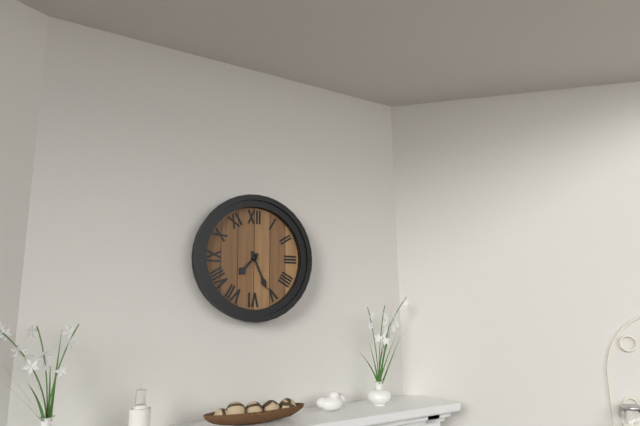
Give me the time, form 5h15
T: 7h26
